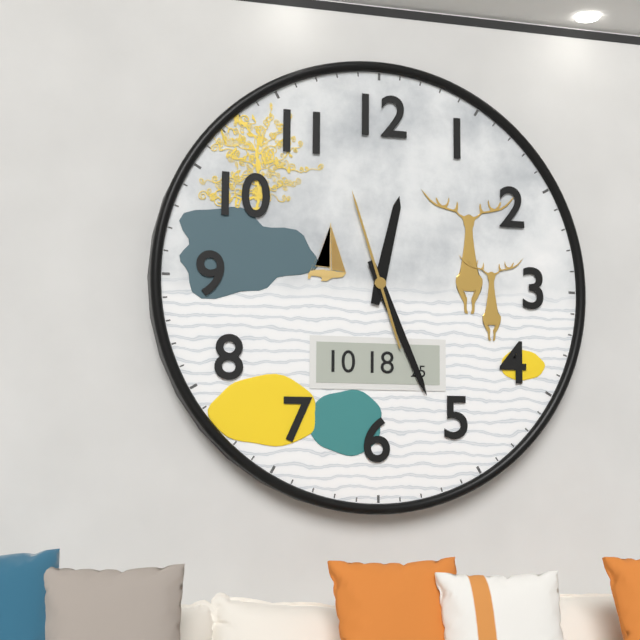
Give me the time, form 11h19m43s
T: 12h26m57s
